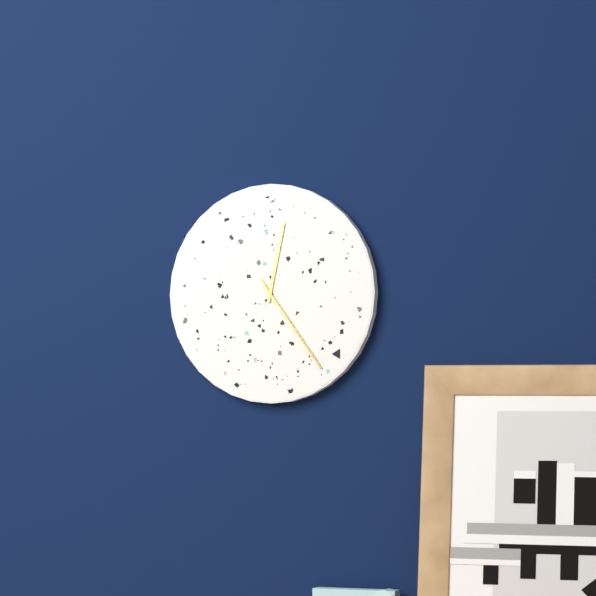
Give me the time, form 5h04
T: 12h24
